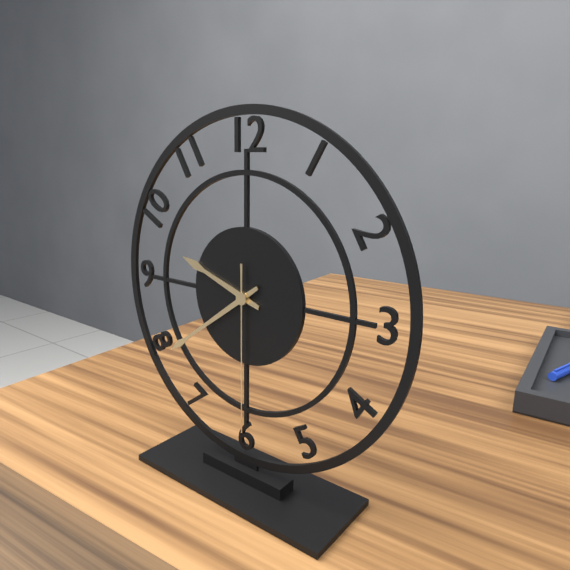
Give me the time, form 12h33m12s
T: 9h39m30s
